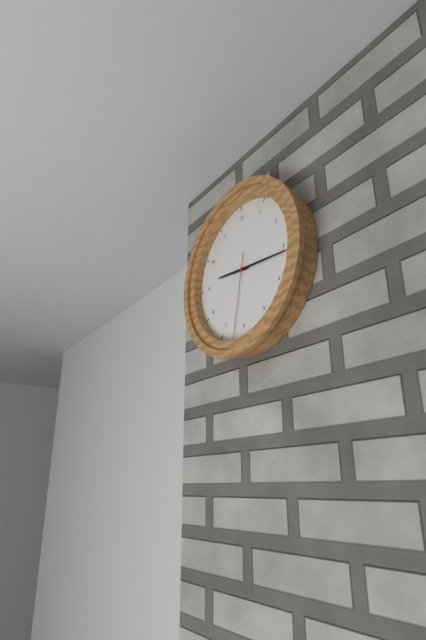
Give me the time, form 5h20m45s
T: 9h16m32s
